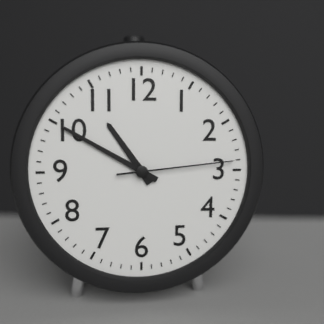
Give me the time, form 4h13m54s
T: 10h50m14s
